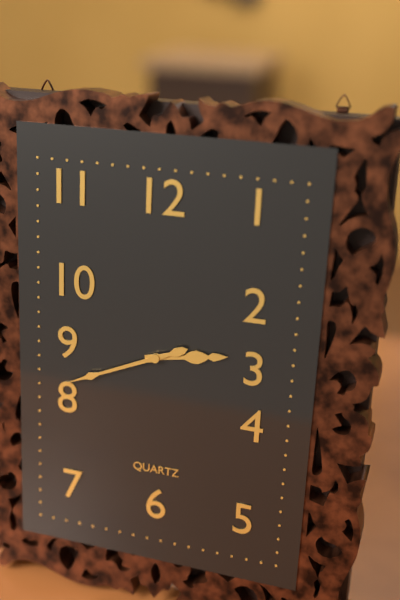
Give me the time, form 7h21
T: 2h41
